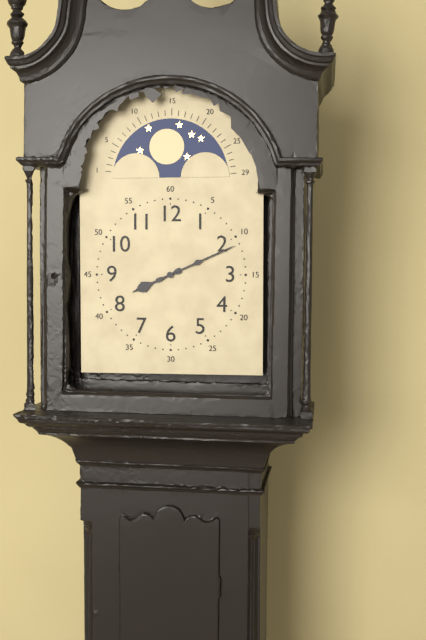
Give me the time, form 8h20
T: 8h11
